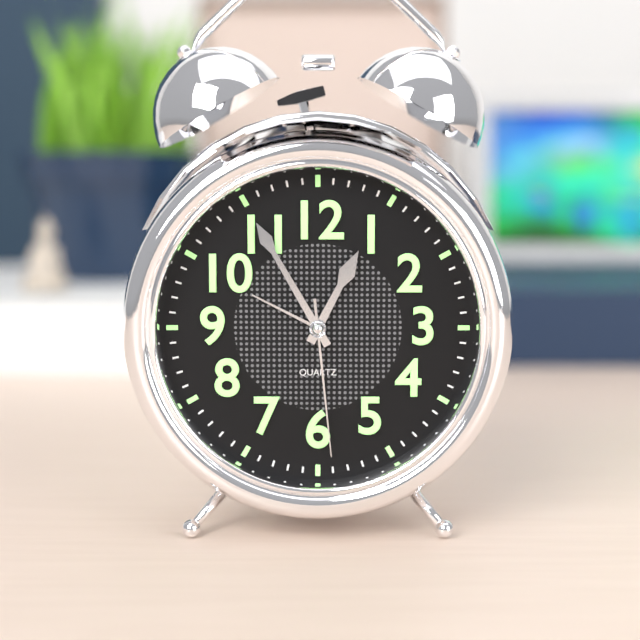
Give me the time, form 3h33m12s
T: 12h55m29s
